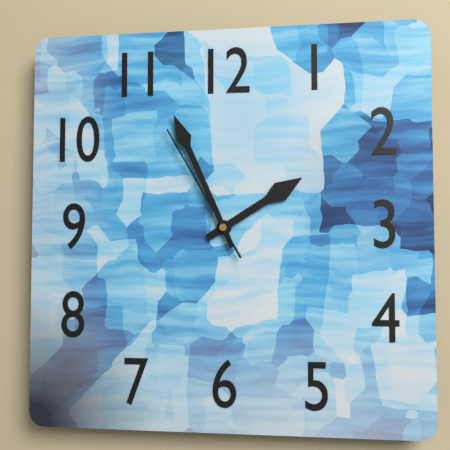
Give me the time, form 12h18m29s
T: 1h56m55s
